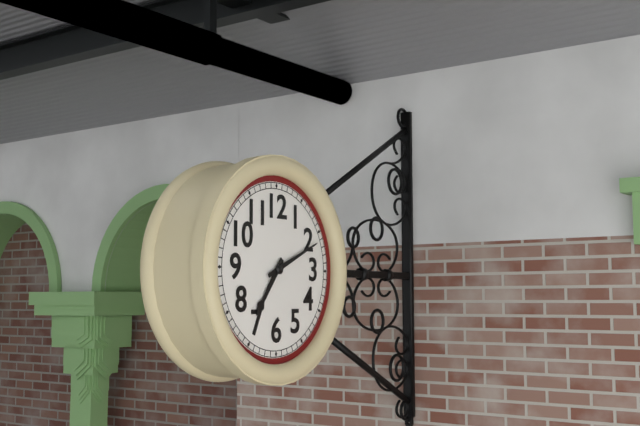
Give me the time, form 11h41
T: 7h11
